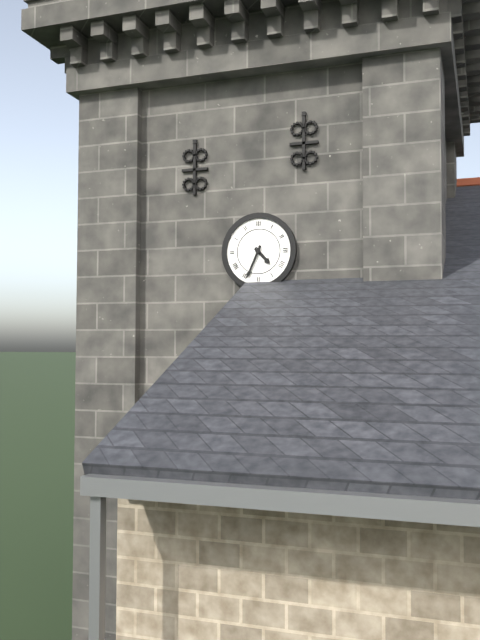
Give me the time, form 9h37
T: 4h34
